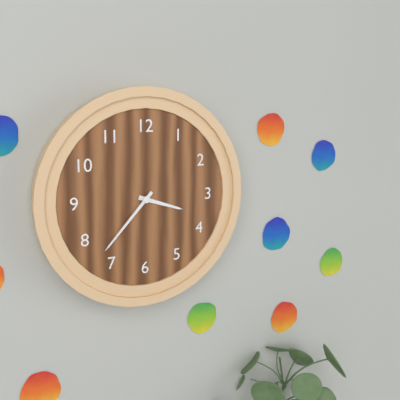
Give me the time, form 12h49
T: 3h37
